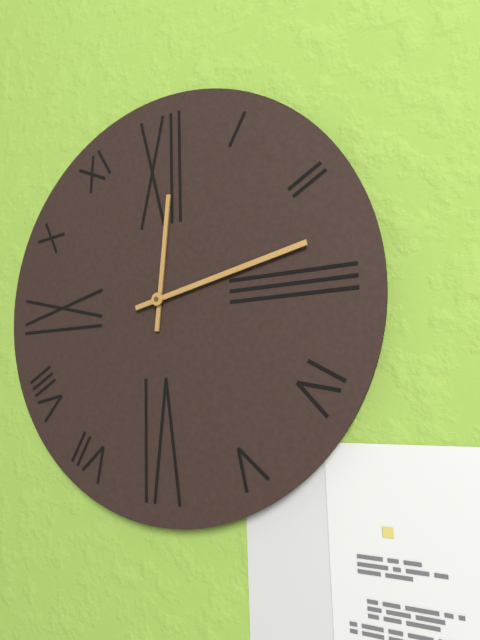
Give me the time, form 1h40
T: 12h13
